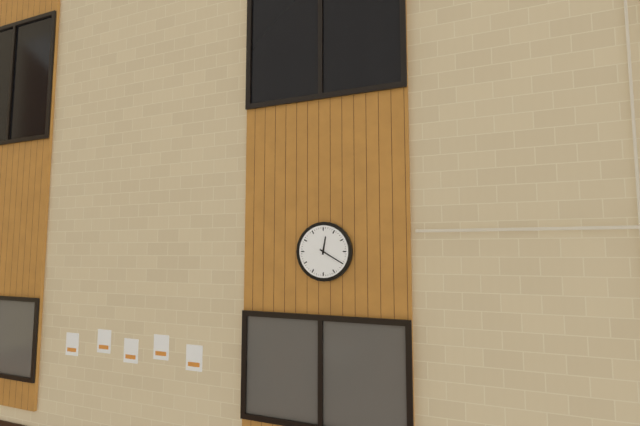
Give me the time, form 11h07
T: 12h20
